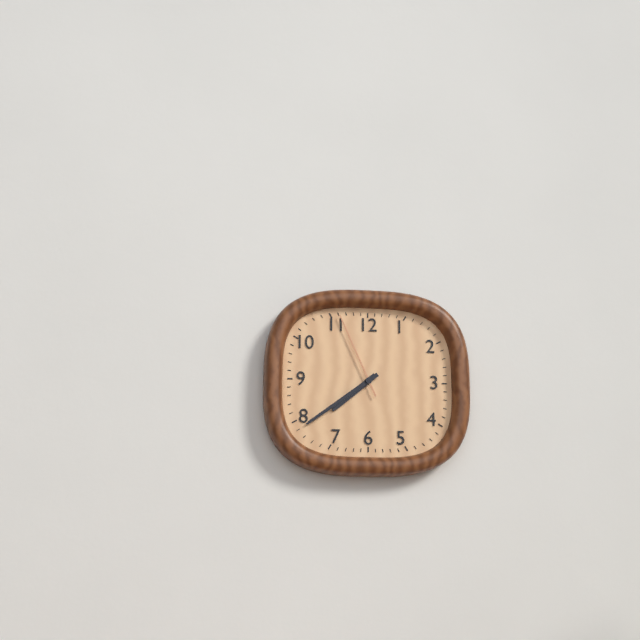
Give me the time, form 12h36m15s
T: 7h39m56s
